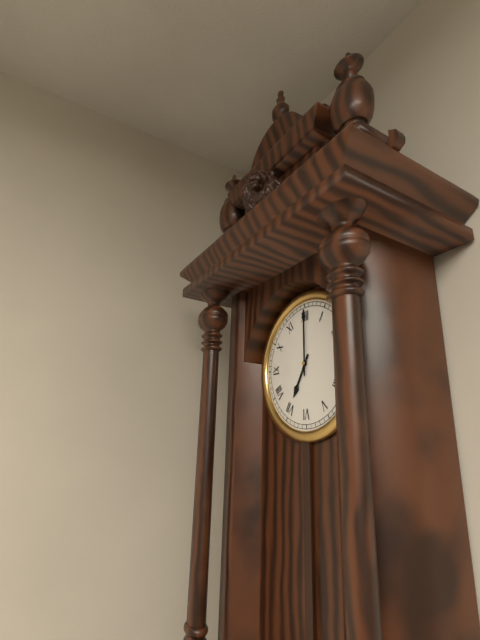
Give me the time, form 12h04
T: 7h00
